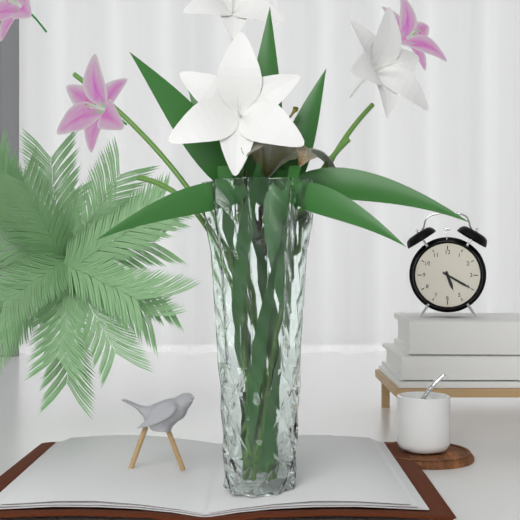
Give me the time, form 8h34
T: 5h20
